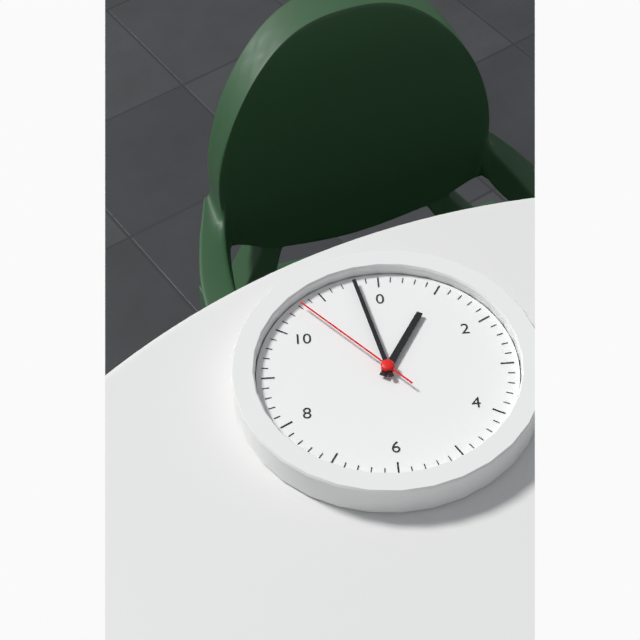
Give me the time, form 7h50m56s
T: 12h58m53s
